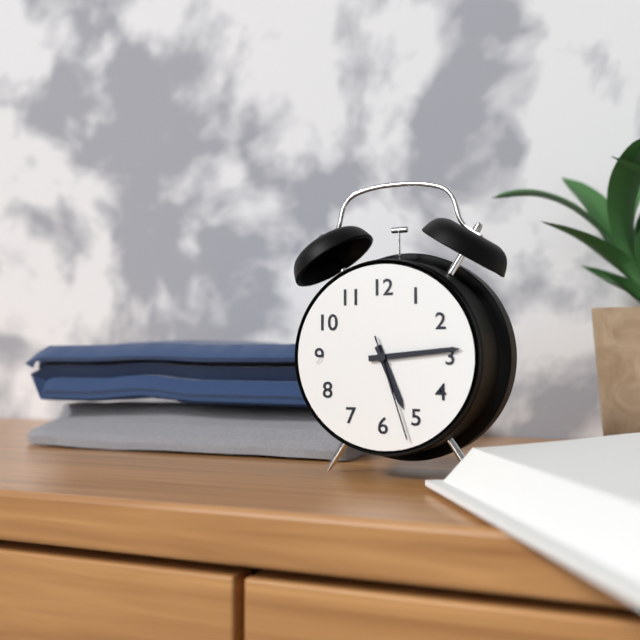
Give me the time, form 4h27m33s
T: 5h14m27s
